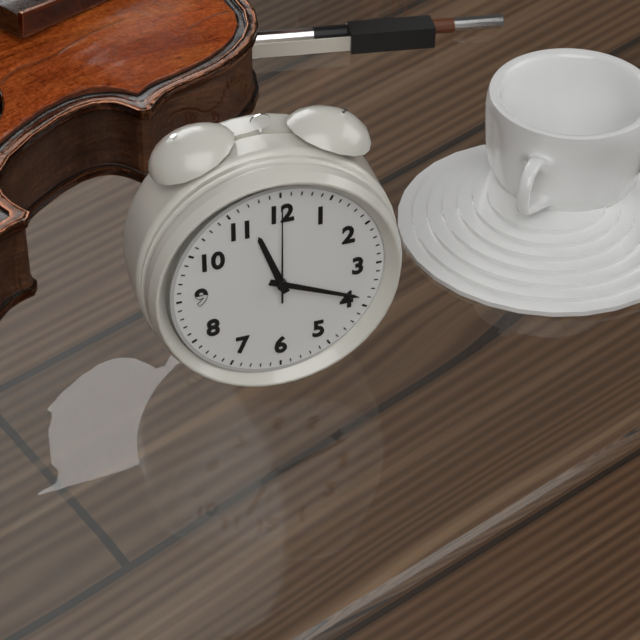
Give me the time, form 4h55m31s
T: 11h19m00s
